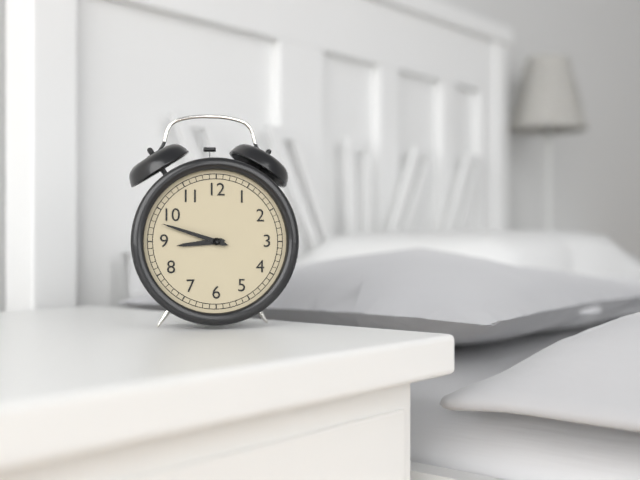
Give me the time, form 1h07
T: 8h48
